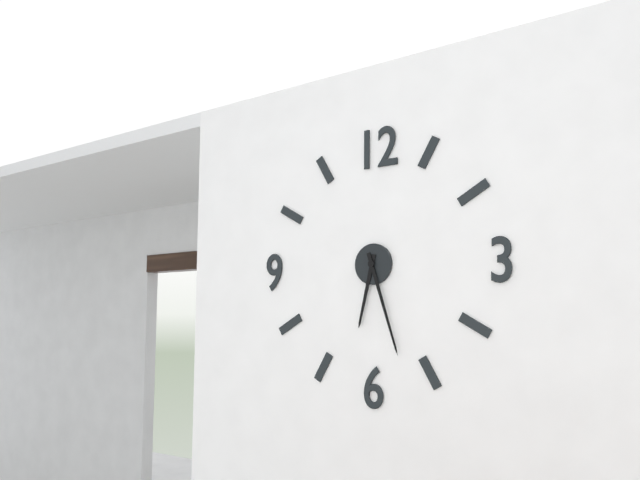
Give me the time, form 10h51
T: 6h27
